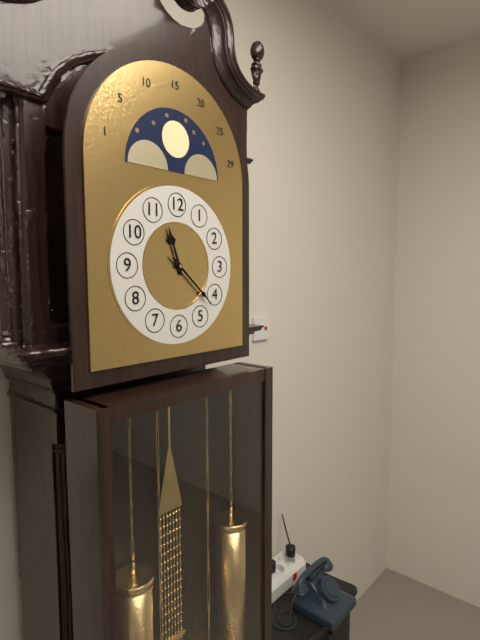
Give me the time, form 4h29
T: 11h22
